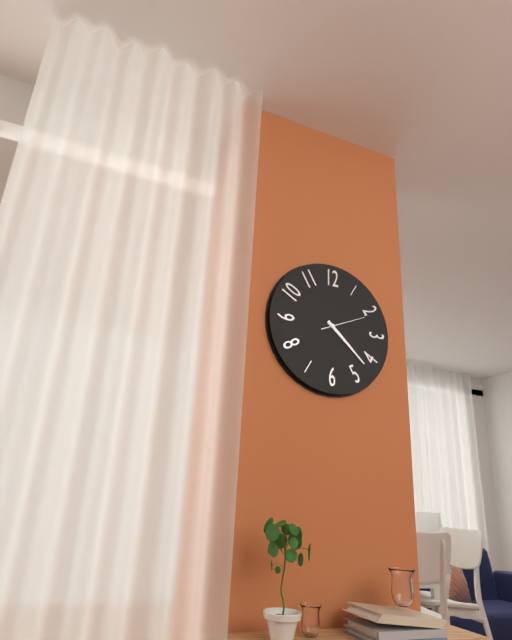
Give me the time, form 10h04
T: 4h22
